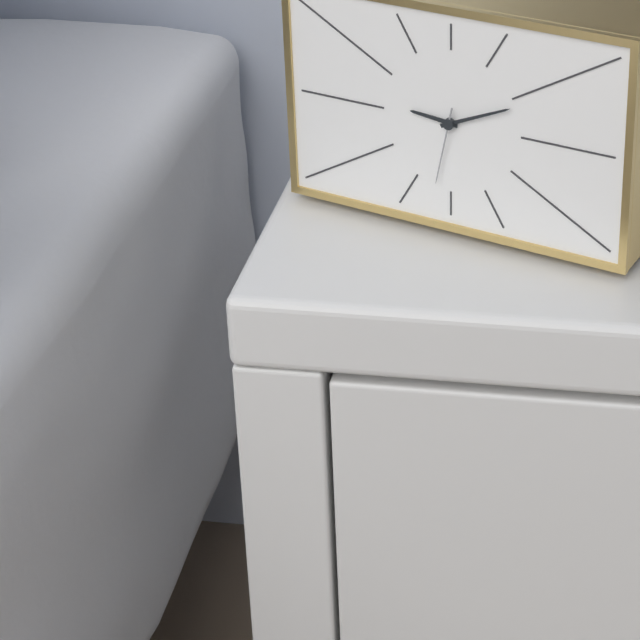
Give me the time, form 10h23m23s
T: 9h11m32s
